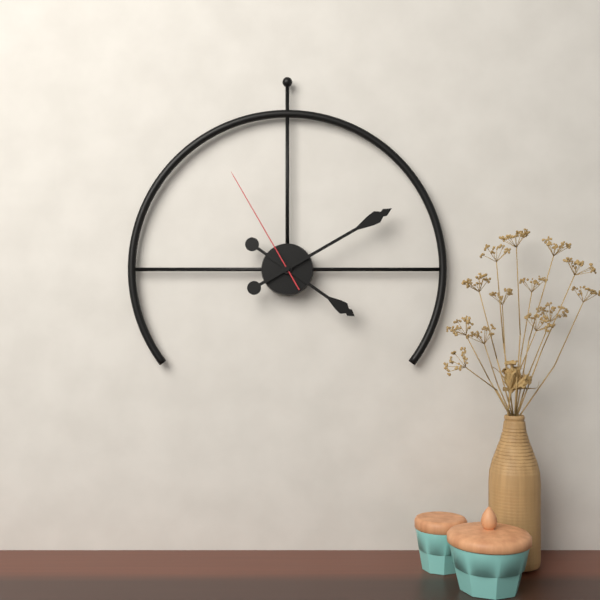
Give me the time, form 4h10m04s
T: 4h10m55s
